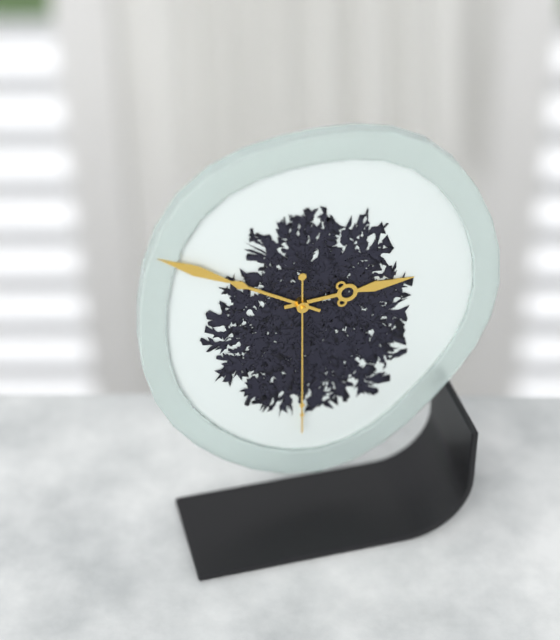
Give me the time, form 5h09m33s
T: 2h50m30s
